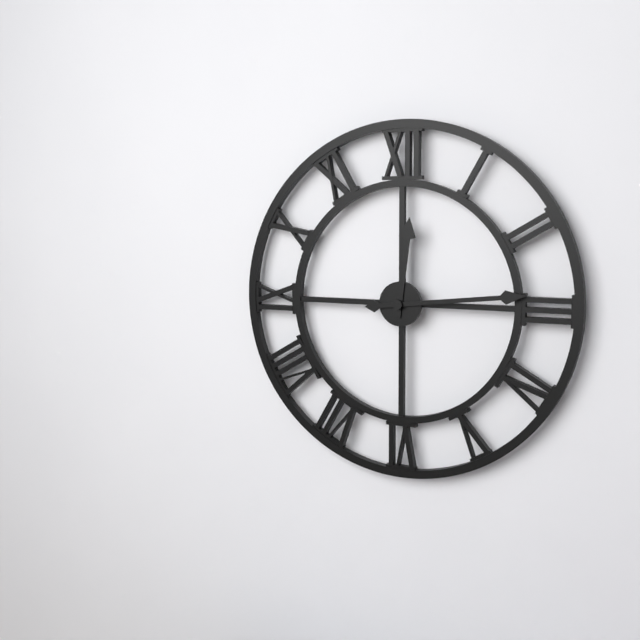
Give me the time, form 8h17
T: 12h14
